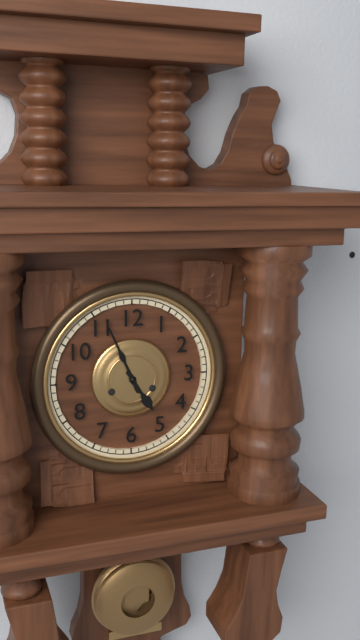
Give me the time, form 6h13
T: 4h56
